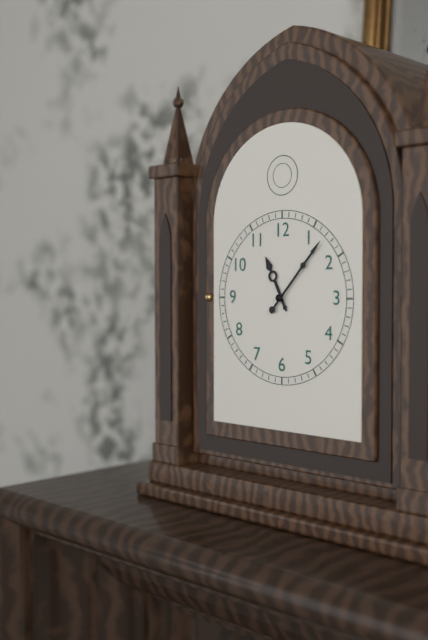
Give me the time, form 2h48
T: 11h07
